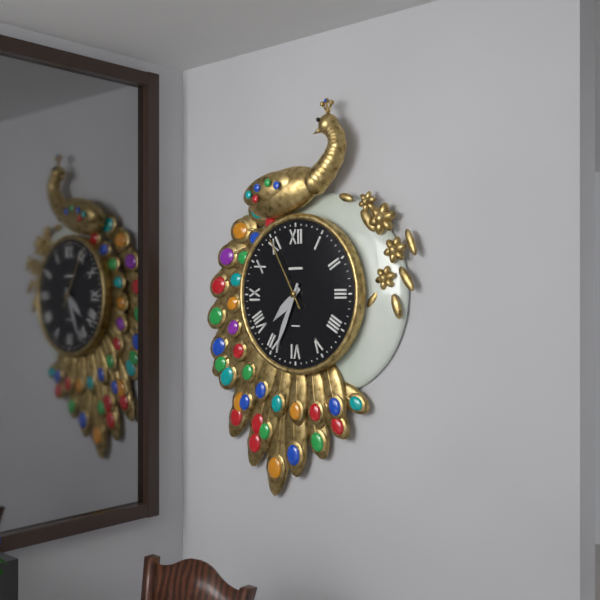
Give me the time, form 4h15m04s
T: 7h34m55s
